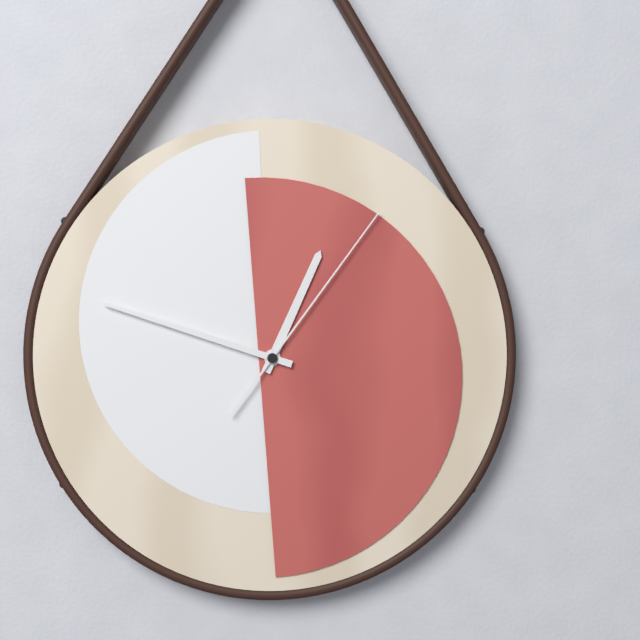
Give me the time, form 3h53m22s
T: 12h48m06s
